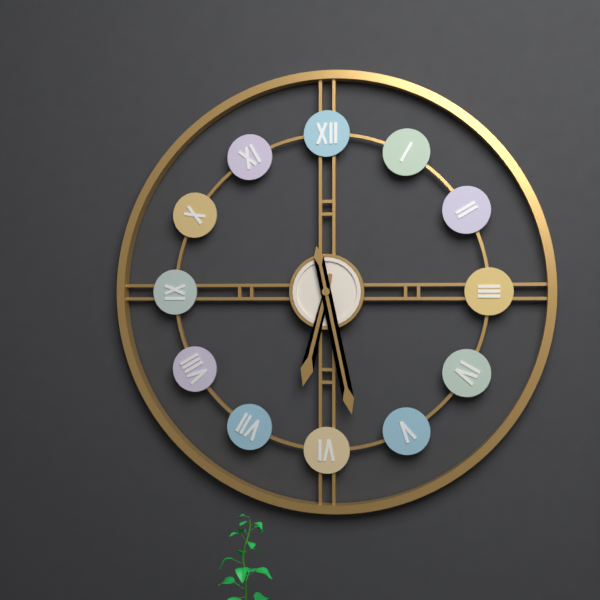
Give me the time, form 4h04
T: 6h28
